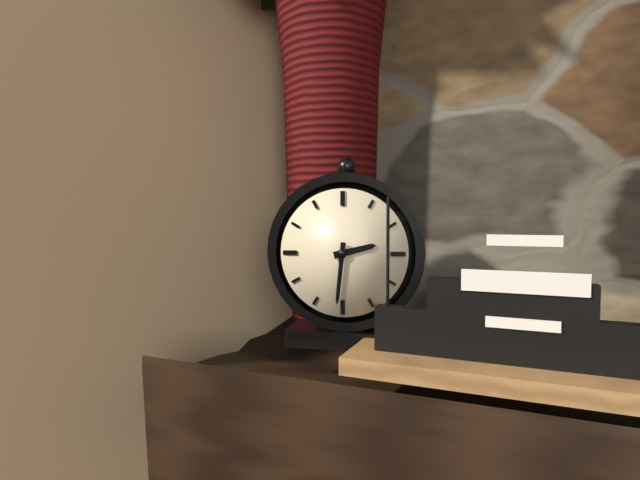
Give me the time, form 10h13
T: 2h31
